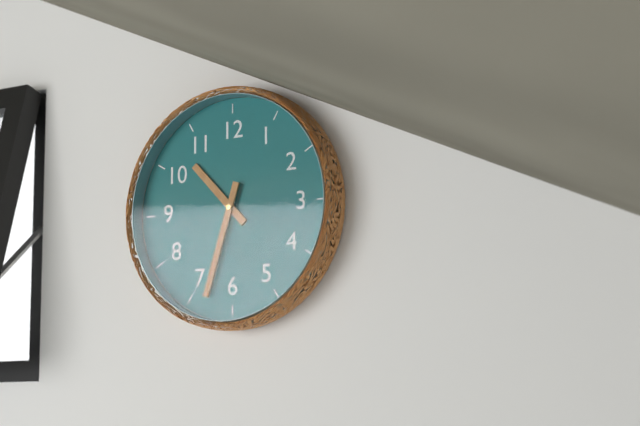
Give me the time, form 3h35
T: 10h33
